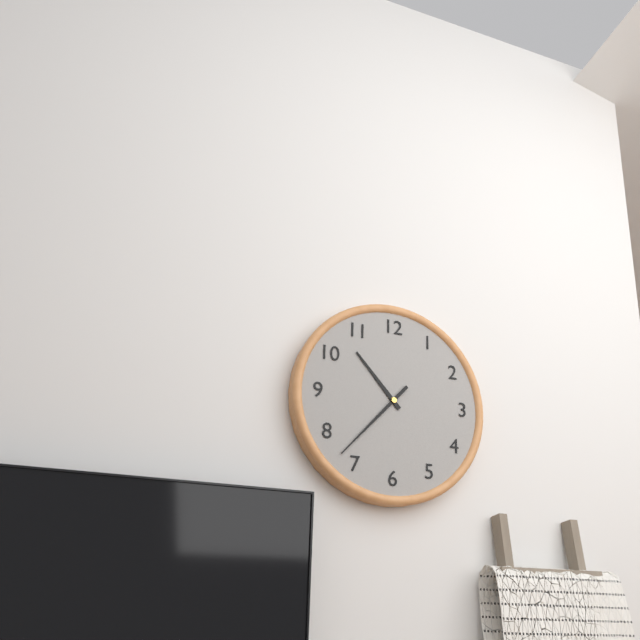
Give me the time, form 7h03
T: 10h37
